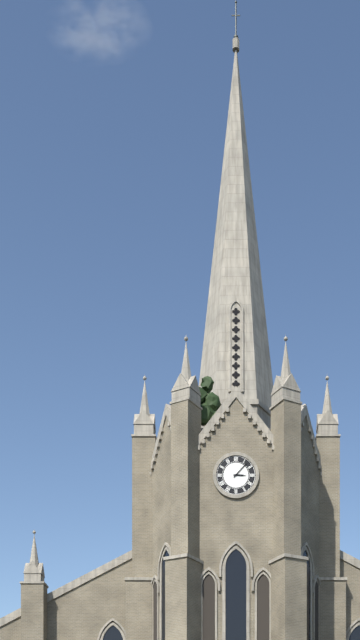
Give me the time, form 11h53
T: 3h07
